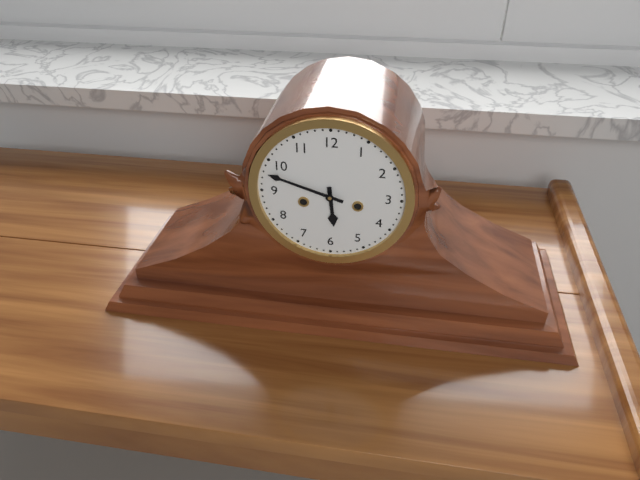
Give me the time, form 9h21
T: 5h48
